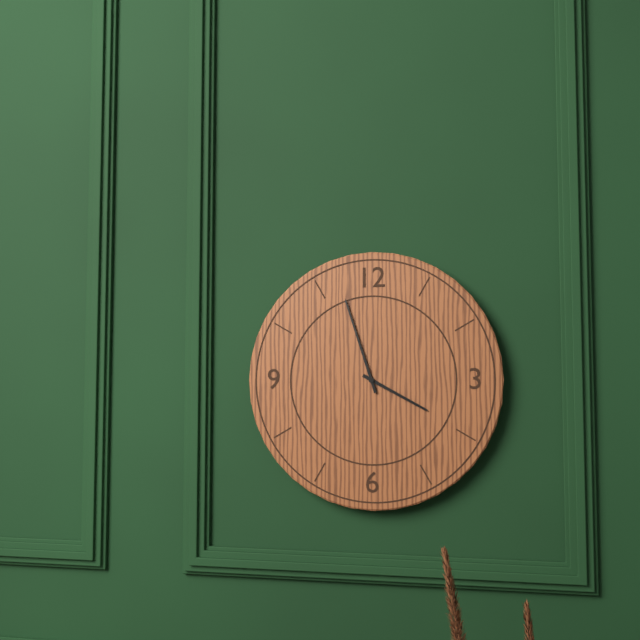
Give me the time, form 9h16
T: 3h57
